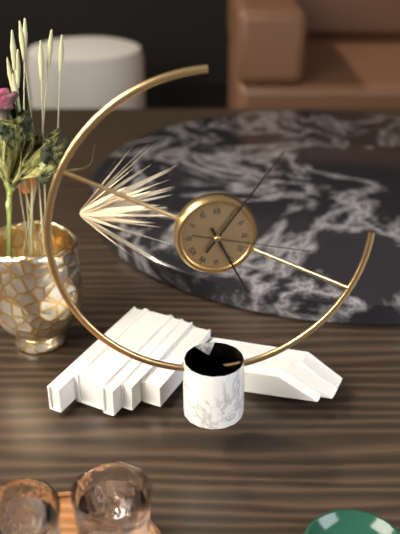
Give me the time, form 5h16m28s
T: 5h06m17s
